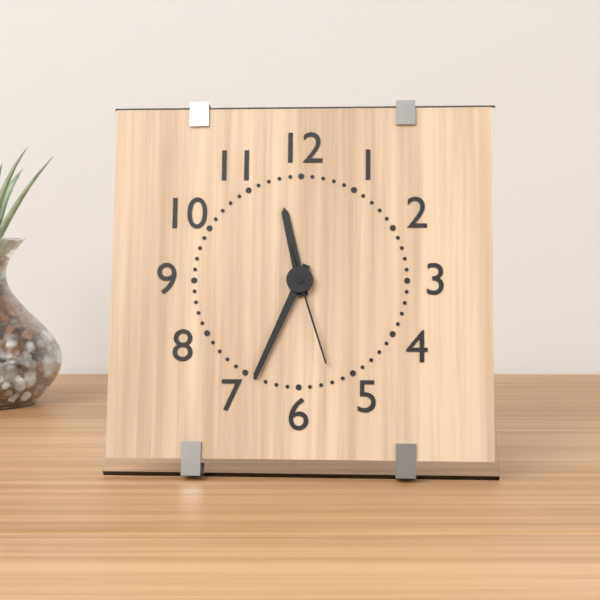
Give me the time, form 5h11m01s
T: 11h34m27s
